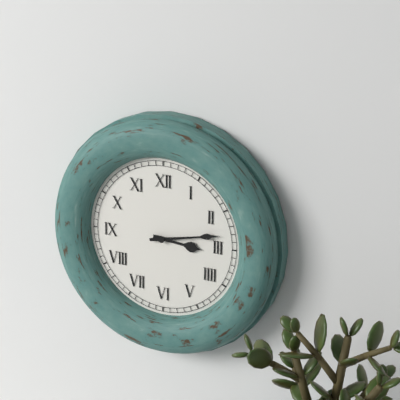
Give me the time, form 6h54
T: 3h13
